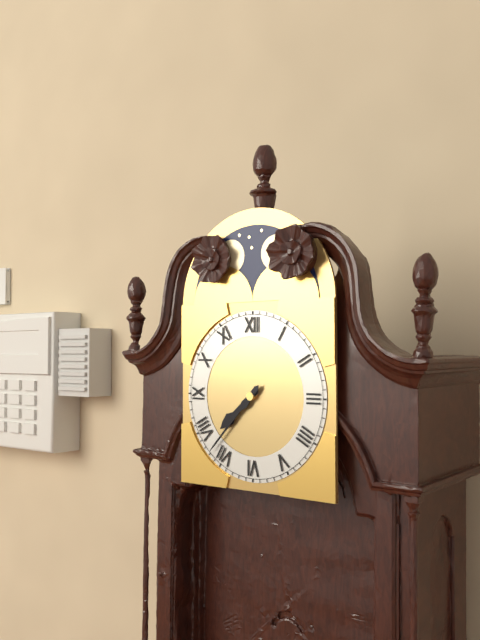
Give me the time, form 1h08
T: 7h37
